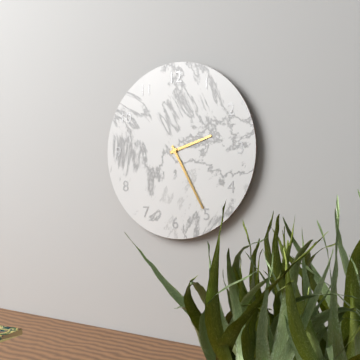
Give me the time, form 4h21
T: 2h25
